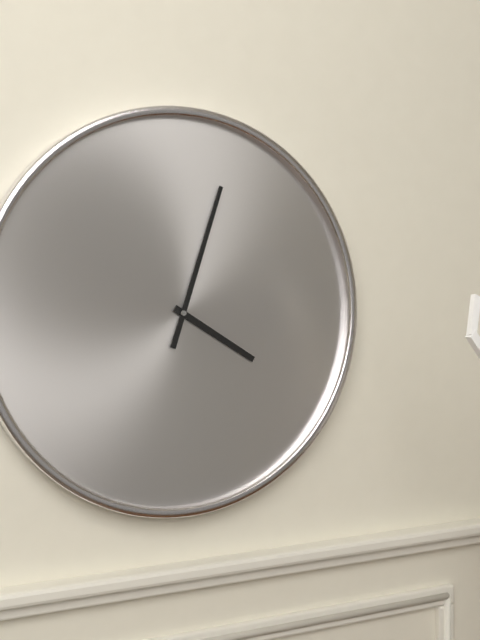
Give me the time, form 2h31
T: 4h03
